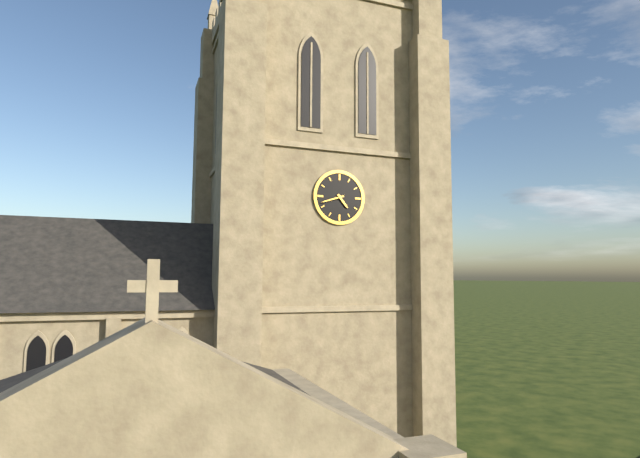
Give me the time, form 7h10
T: 4h42
